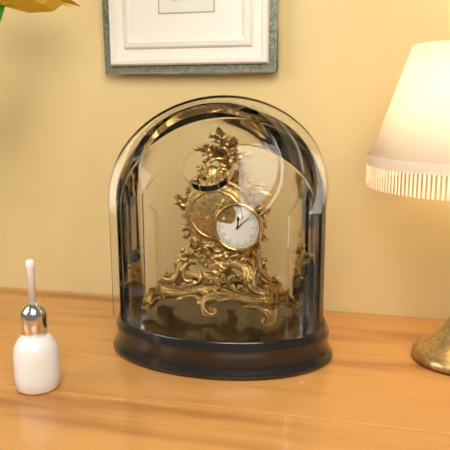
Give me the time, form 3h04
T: 12h08
